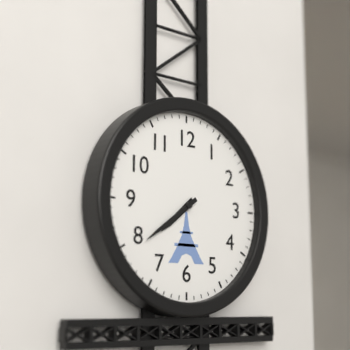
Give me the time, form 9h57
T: 7h39
